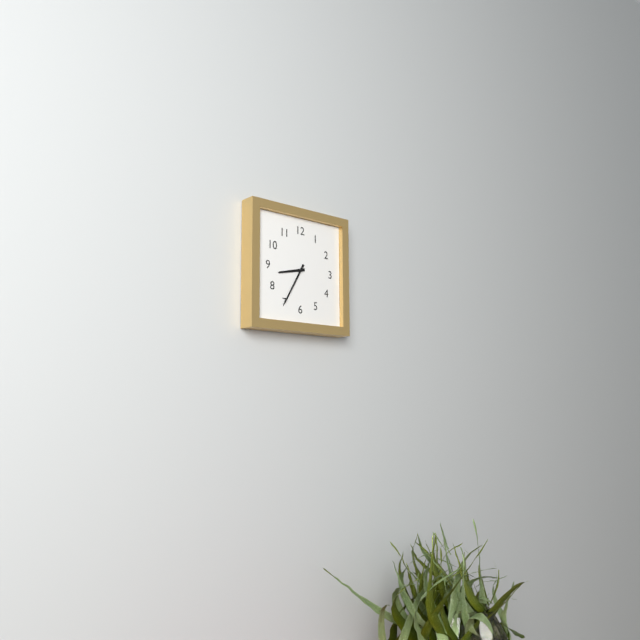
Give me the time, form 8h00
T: 8h35
